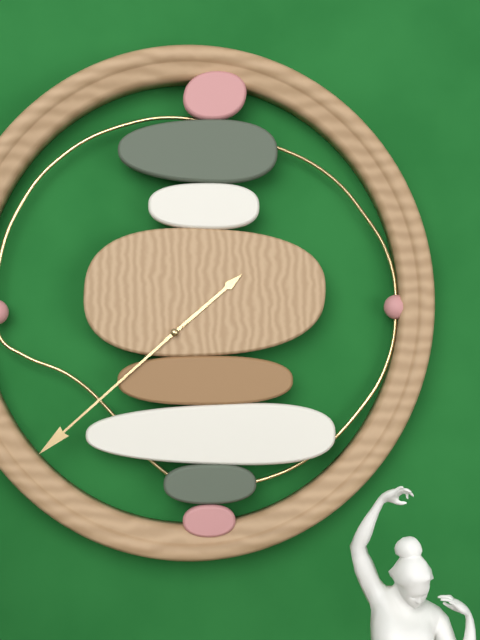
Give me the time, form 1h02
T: 1h38
